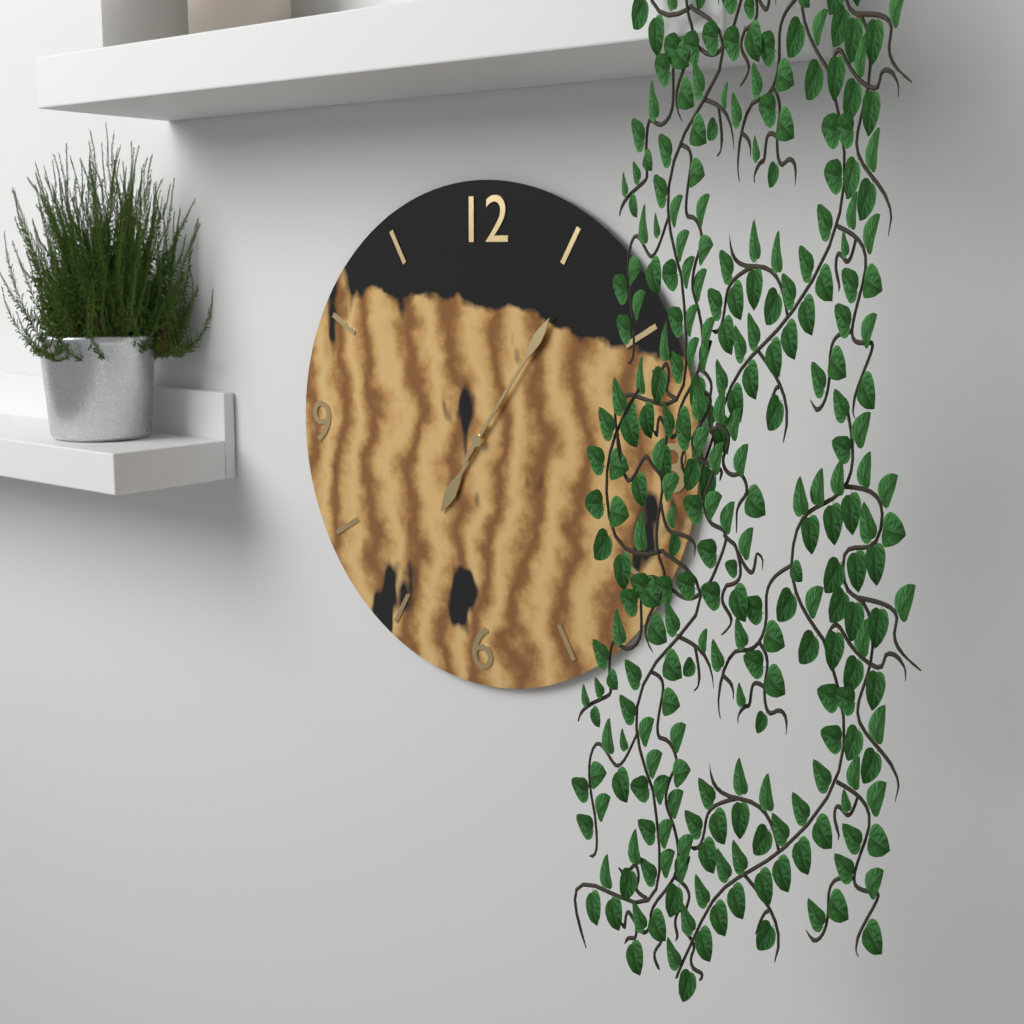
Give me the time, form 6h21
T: 7h06
